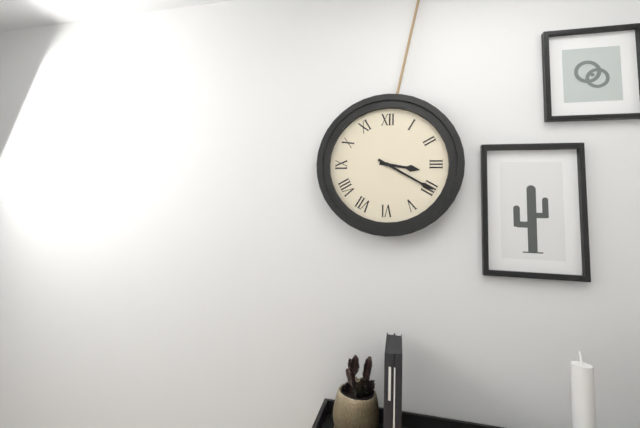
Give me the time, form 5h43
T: 3h20
